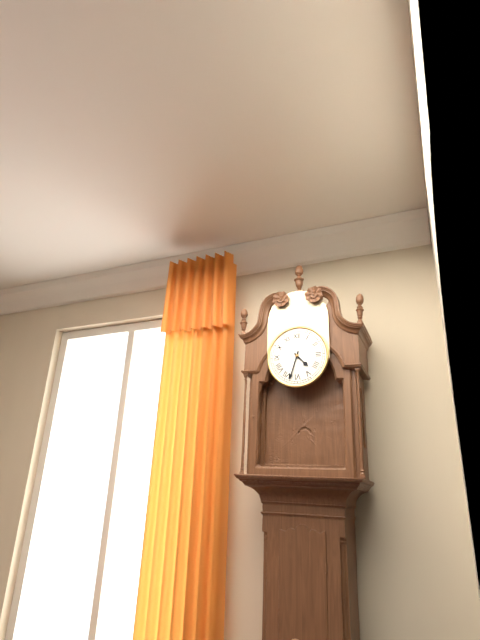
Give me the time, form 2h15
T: 4h33
